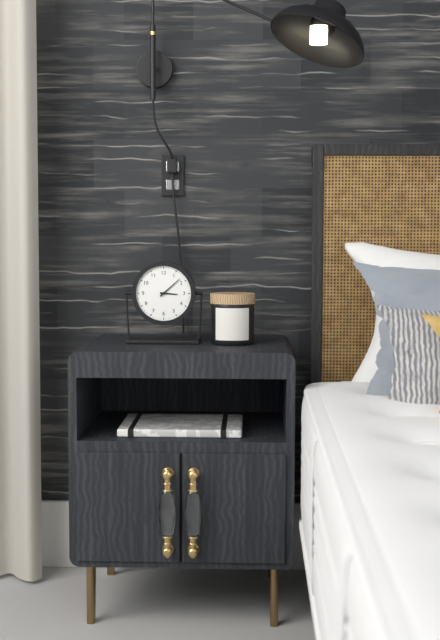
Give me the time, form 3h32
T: 3h08
